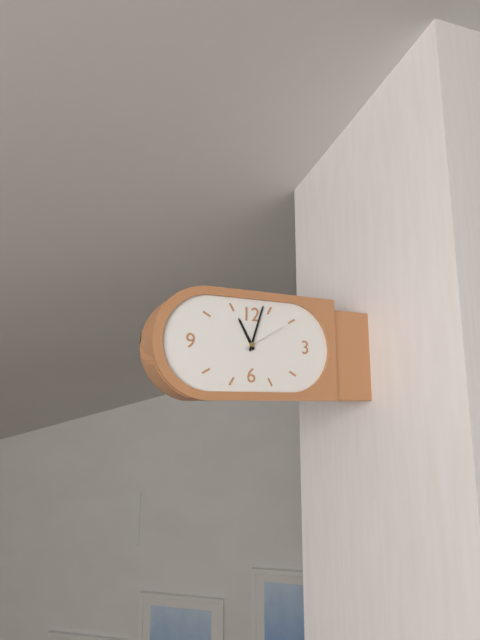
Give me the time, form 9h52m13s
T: 11h03m10s
